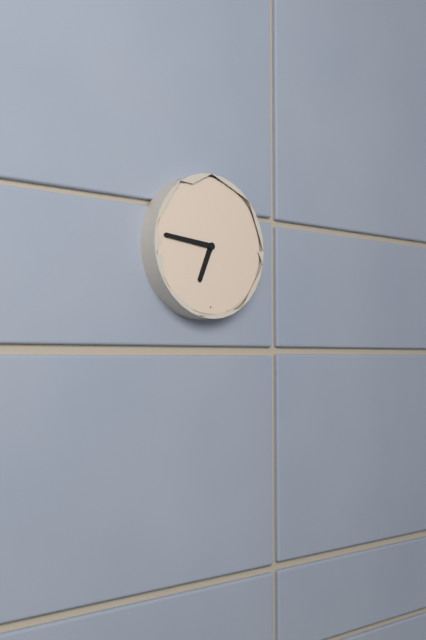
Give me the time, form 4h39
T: 6h46
